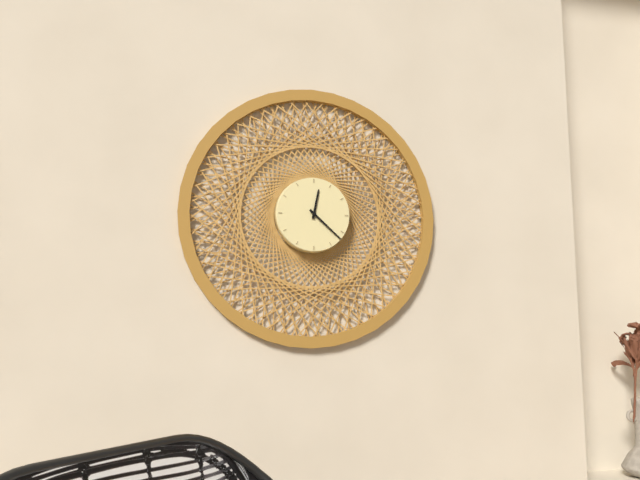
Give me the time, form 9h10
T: 12h22
